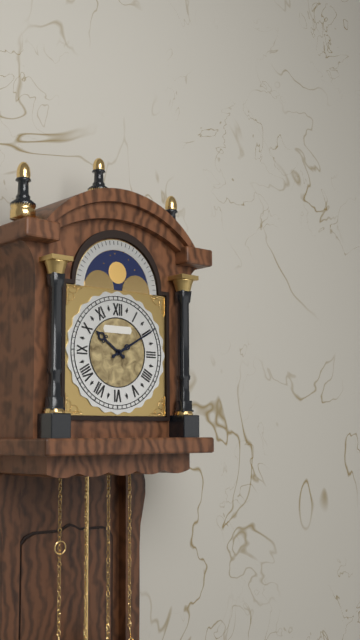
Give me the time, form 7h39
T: 10h10
